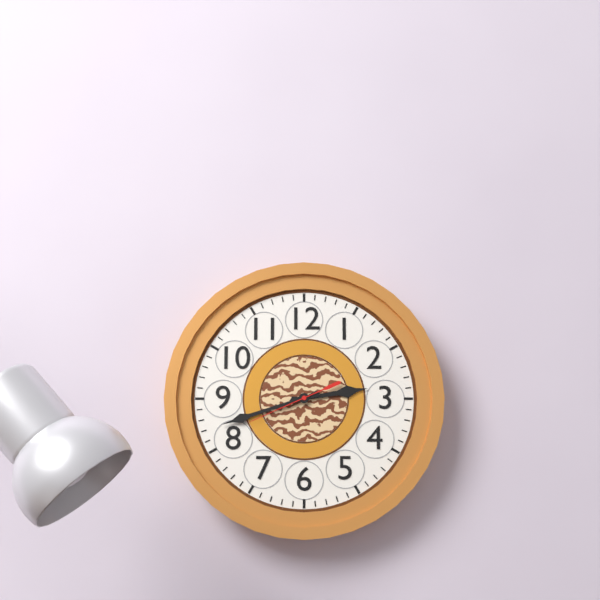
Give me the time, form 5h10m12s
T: 2h42m41s
